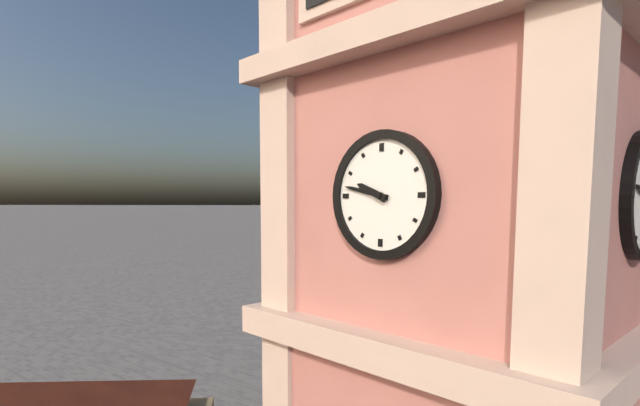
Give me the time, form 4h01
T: 9h47
